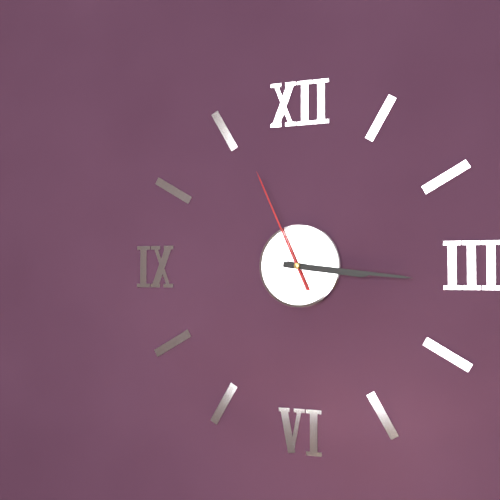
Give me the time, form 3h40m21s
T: 3h16m56s
